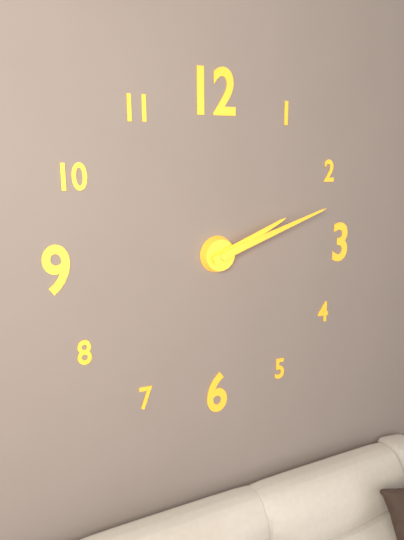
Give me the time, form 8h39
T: 2h12
